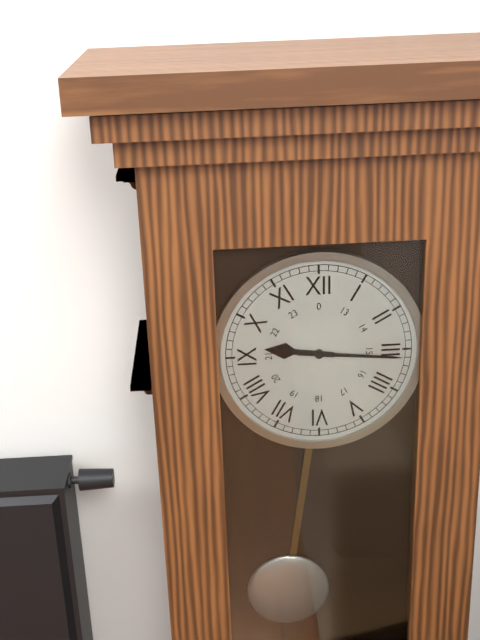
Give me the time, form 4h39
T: 9h16
